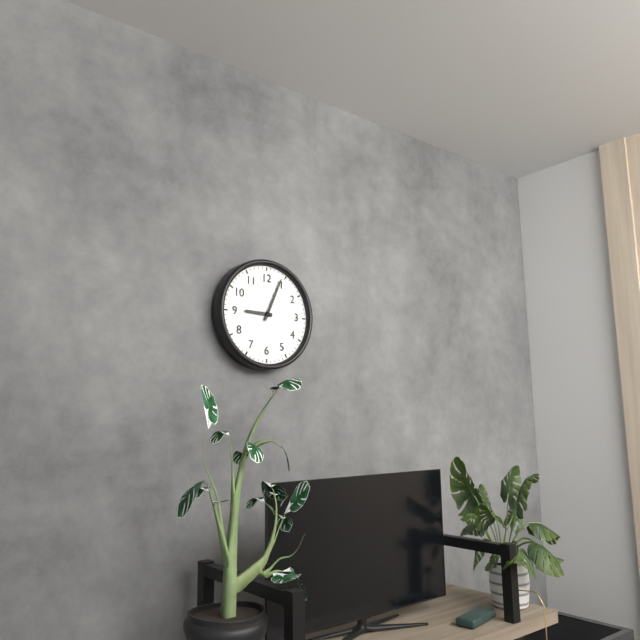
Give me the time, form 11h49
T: 9h04
